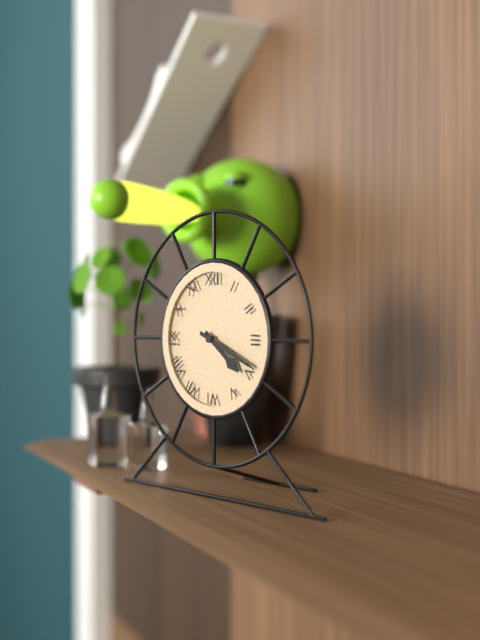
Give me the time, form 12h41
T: 4h19
